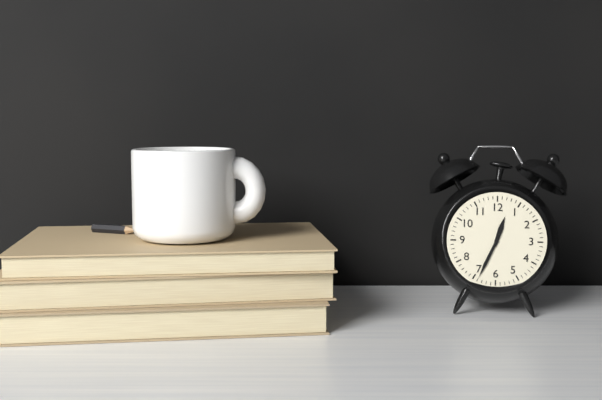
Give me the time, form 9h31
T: 12h34
